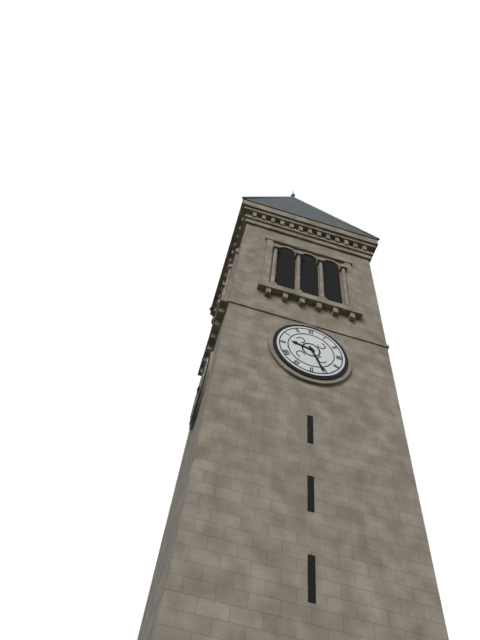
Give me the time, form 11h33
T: 9h26
